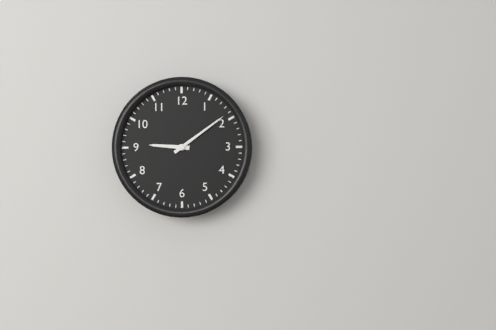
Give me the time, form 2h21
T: 9h09
